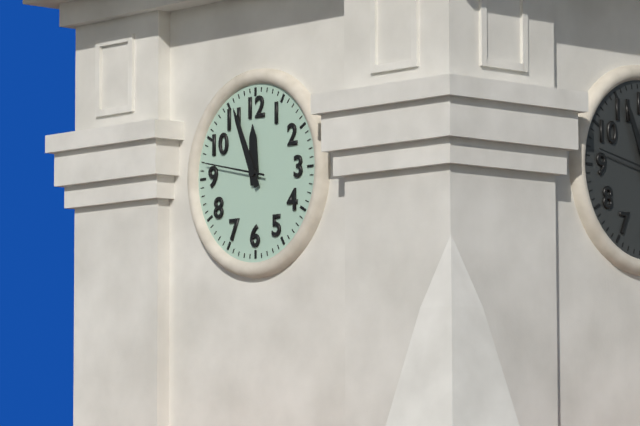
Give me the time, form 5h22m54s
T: 11h56m47s
